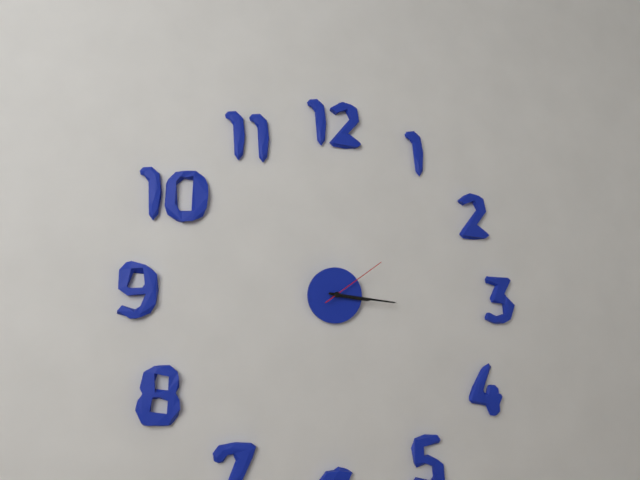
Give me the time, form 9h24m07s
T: 3h16m09s
